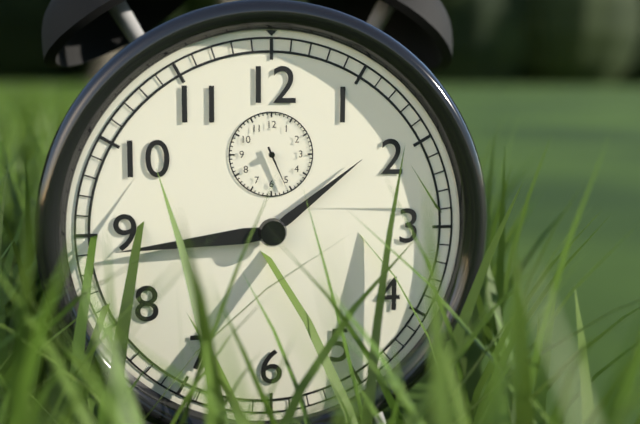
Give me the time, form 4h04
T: 1h44
